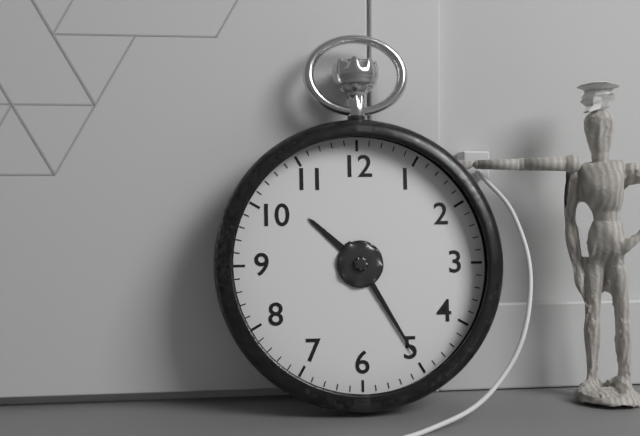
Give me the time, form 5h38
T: 10h25
